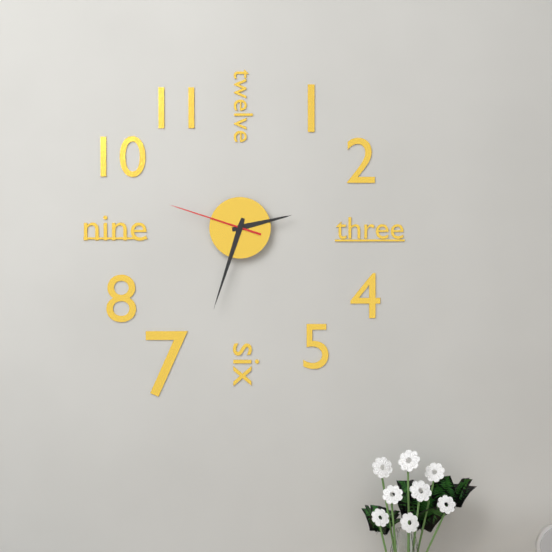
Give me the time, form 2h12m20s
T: 2h33m48s
